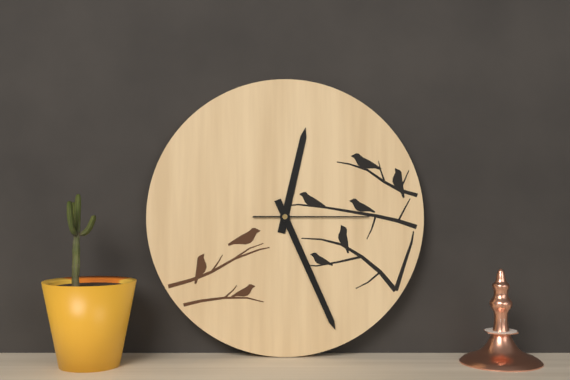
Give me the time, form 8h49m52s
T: 12h26m15s
